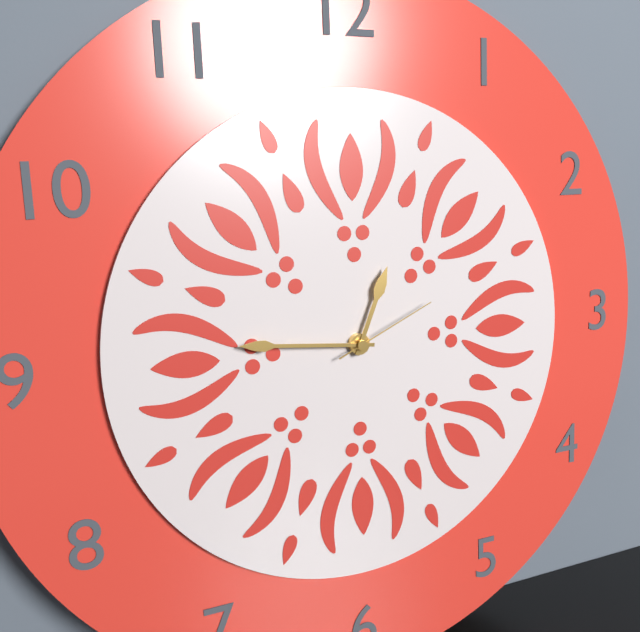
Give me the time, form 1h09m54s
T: 12h46m11s
